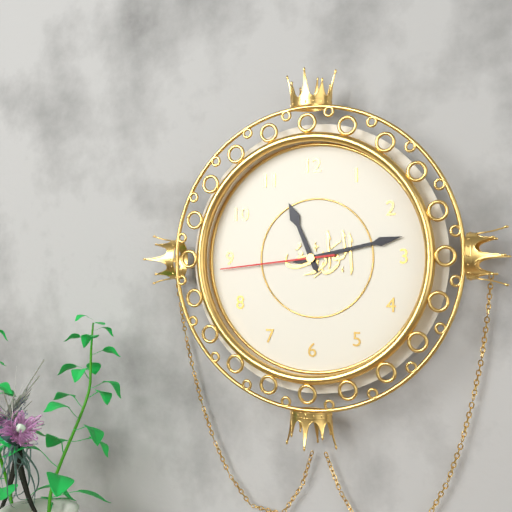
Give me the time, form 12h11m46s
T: 11h13m44s
